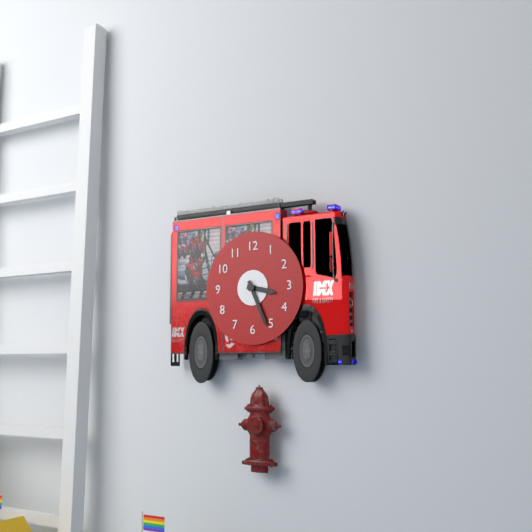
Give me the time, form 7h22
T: 3h26
